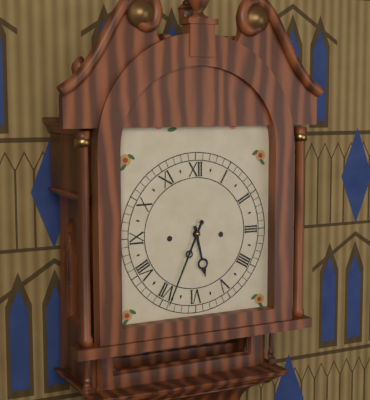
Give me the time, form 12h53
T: 5h34
